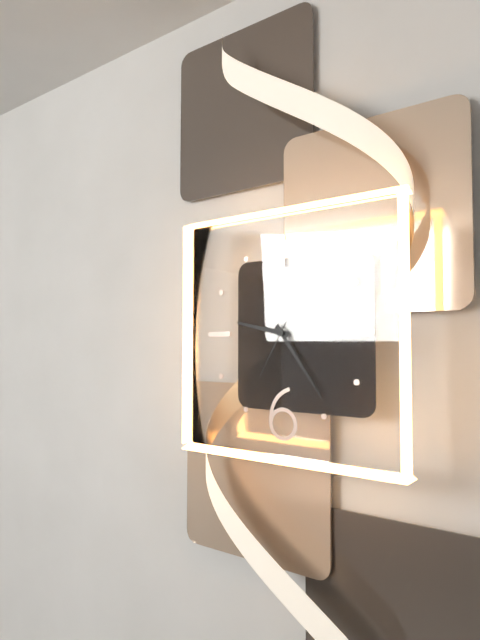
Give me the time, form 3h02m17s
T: 9h24m35s
